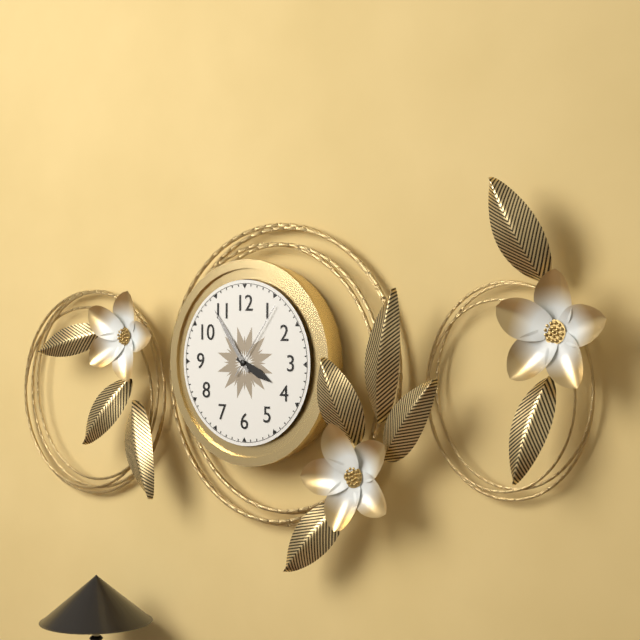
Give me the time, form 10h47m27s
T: 3h54m06s
